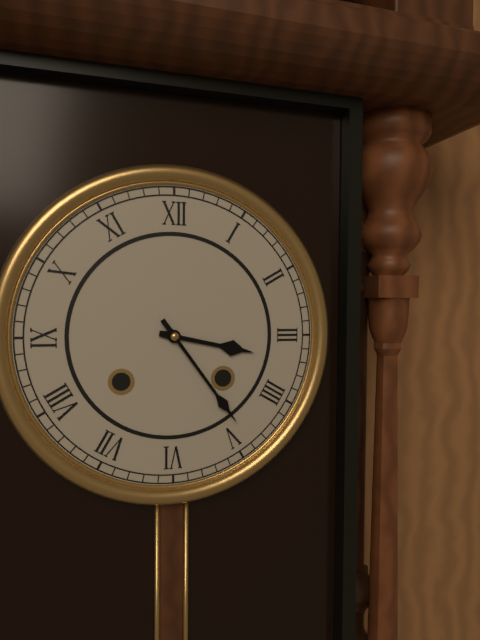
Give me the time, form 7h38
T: 3h24
